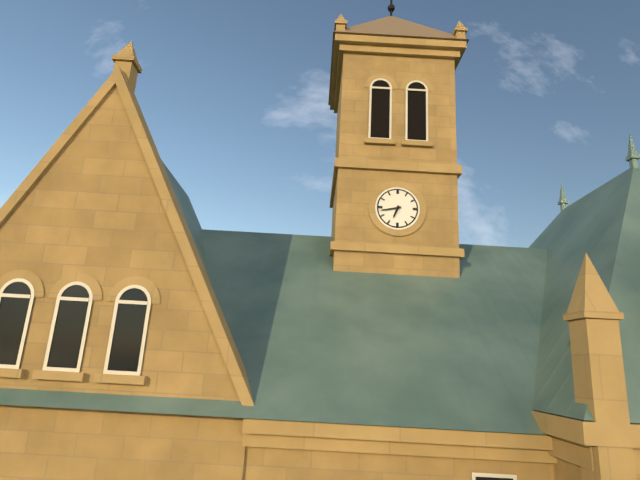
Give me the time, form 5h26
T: 6h43
